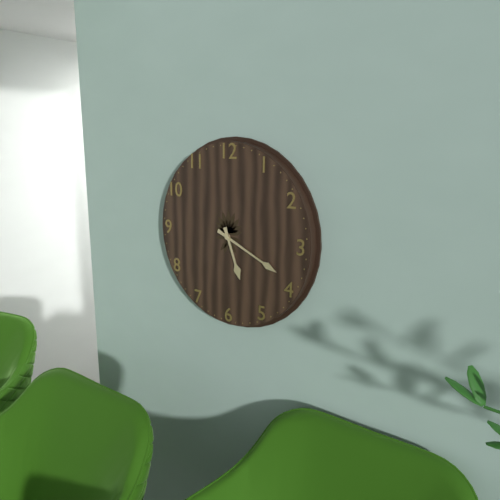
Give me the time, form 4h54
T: 5h19
